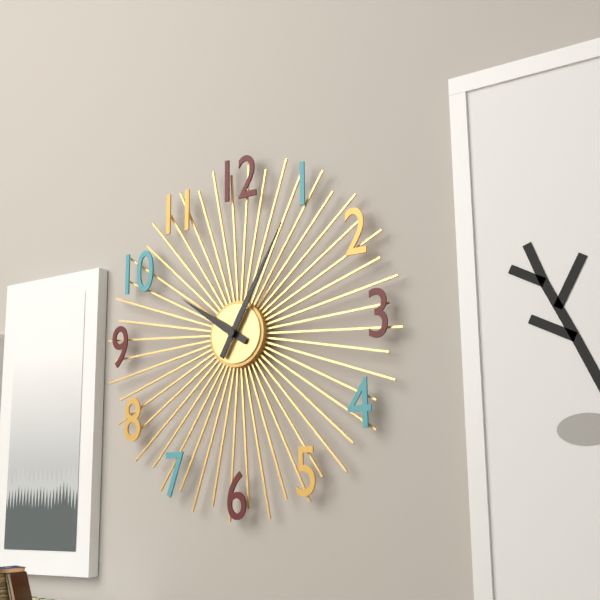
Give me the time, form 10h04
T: 10h05
